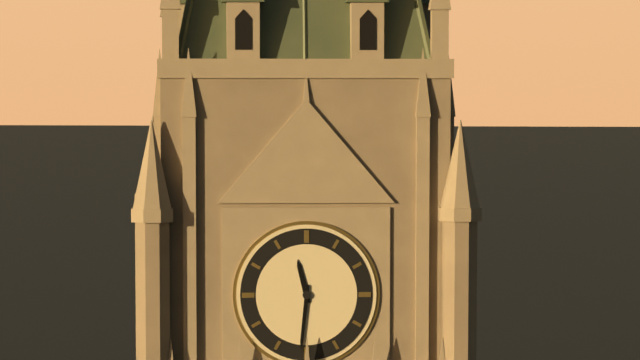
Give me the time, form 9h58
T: 11h31
